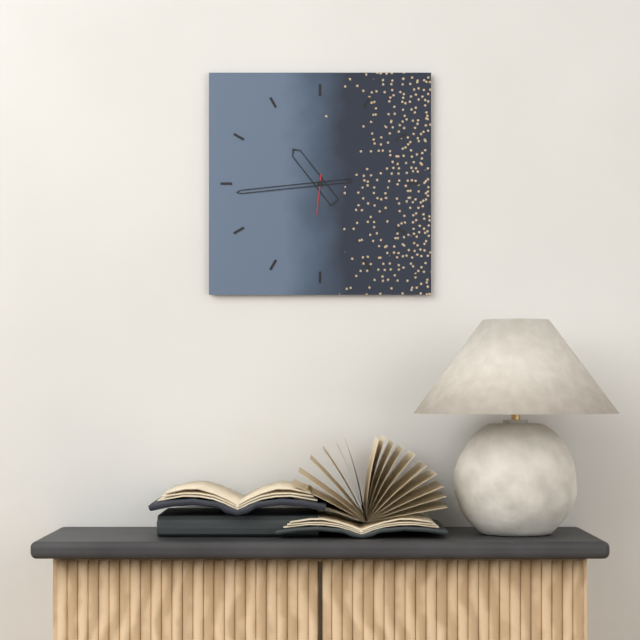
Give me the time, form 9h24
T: 10h44
